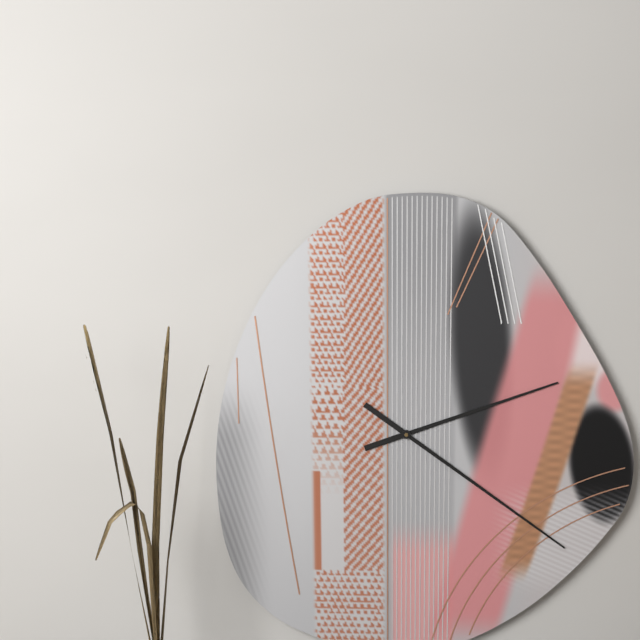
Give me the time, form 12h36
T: 2h21
